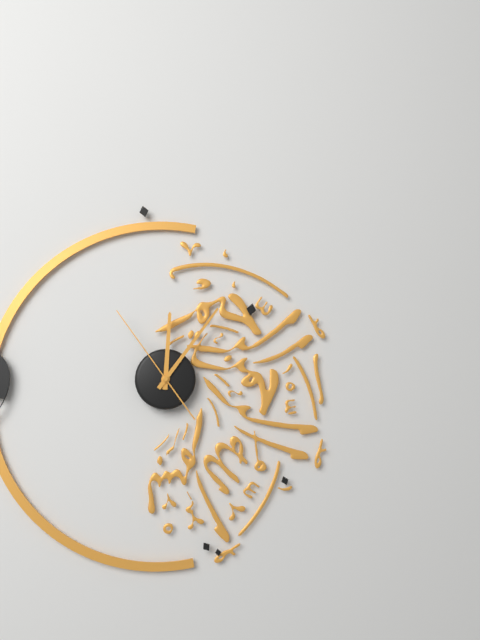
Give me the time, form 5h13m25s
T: 12h06m54s
